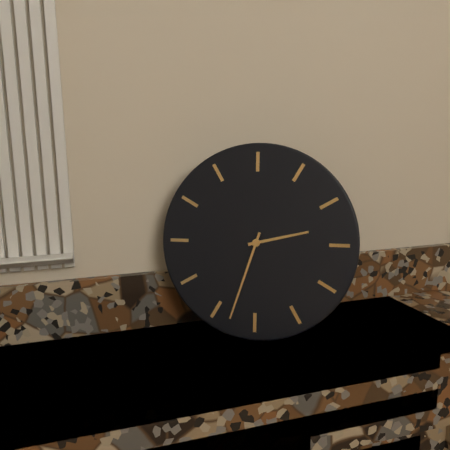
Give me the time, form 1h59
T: 2h33
